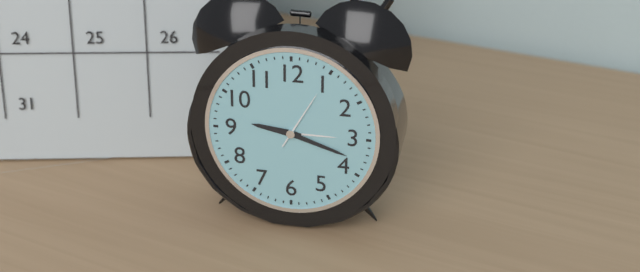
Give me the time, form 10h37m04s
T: 9h18m05s
